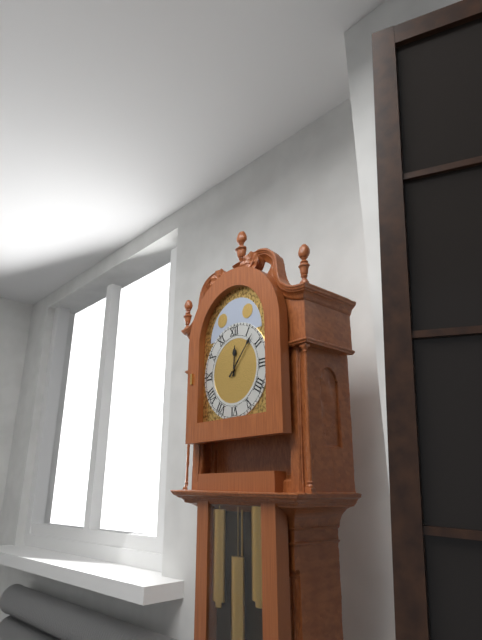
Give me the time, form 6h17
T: 12h07
